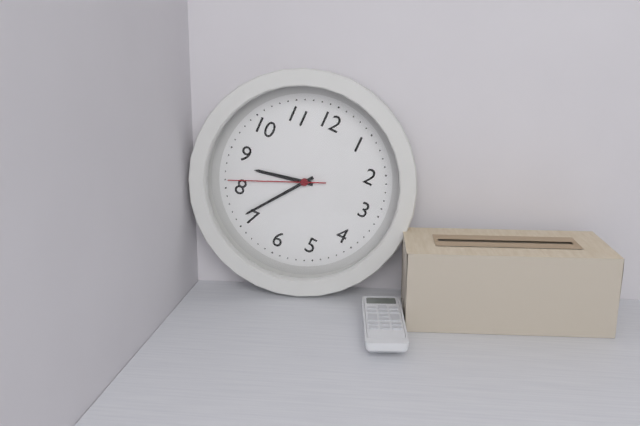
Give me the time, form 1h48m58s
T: 8h36m41s
